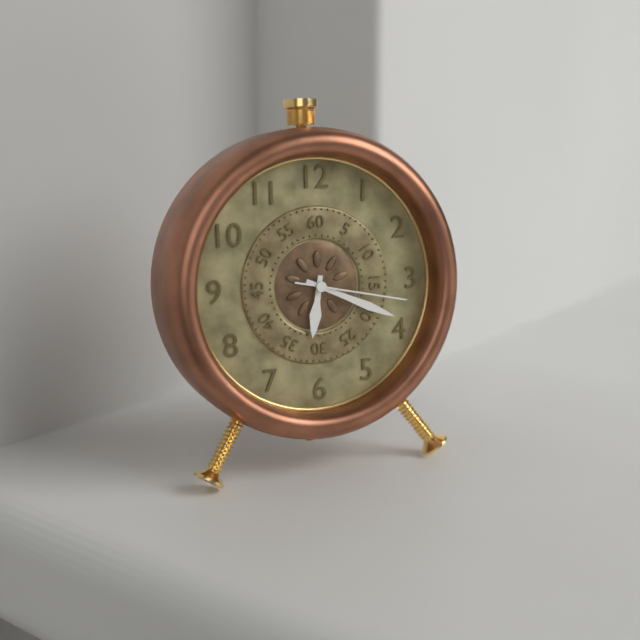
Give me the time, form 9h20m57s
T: 6h19m17s
